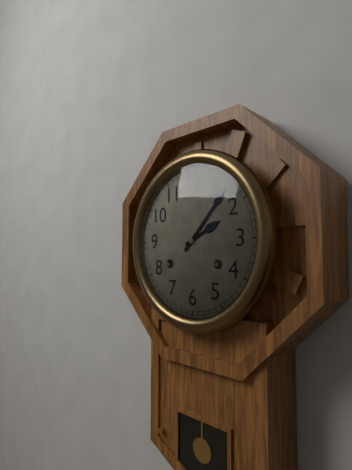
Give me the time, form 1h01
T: 2h07
